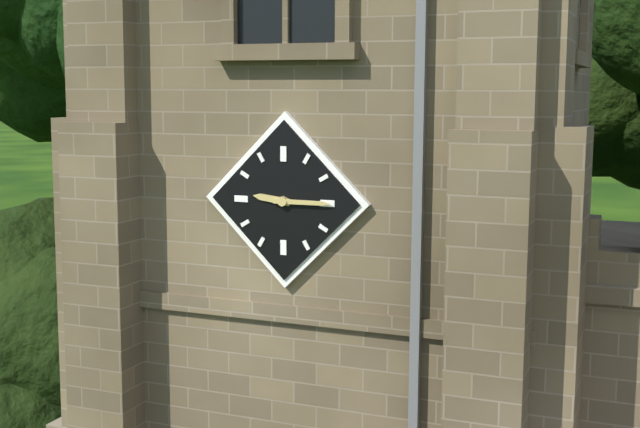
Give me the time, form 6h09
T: 9h15
